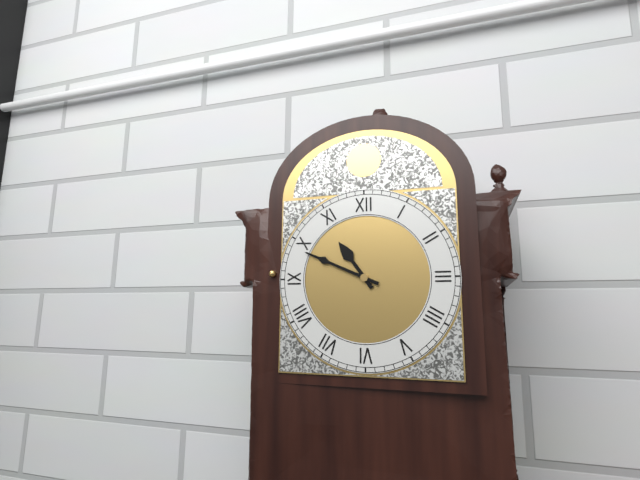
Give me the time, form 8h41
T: 10h49
